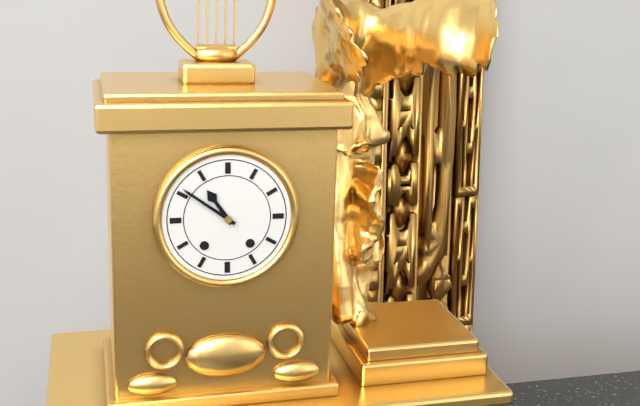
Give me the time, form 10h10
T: 10h51
